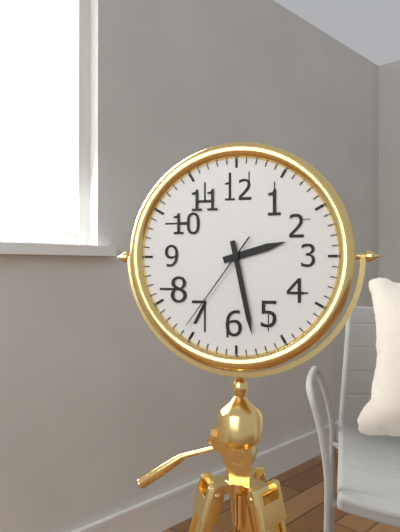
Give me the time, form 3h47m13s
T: 2h28m36s
